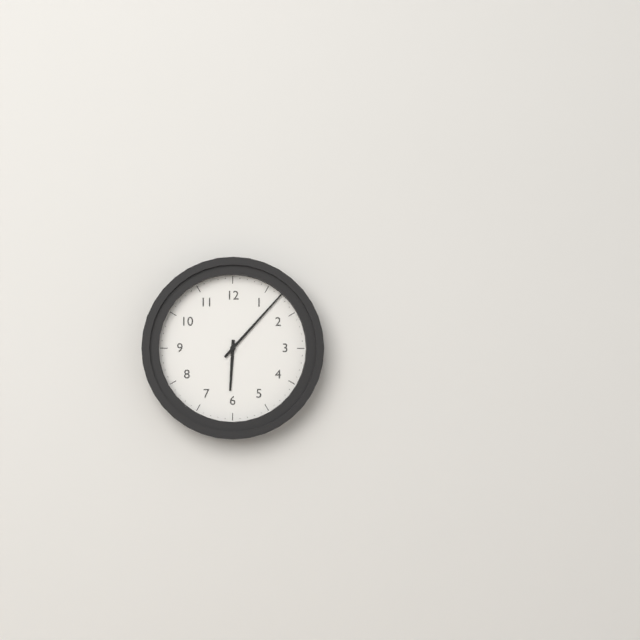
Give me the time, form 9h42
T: 6h07
